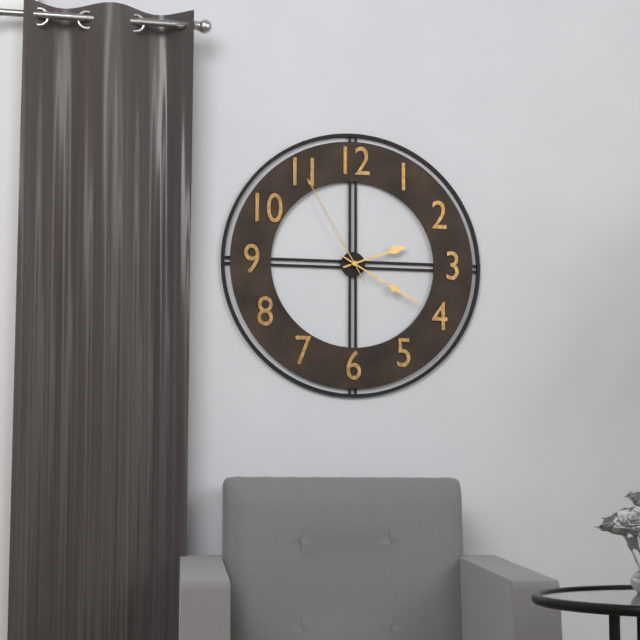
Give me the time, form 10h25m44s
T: 2h20m55s
